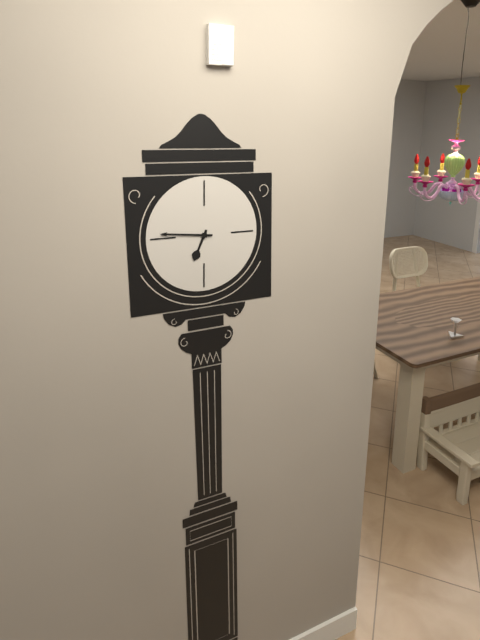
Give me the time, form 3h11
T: 6h46
